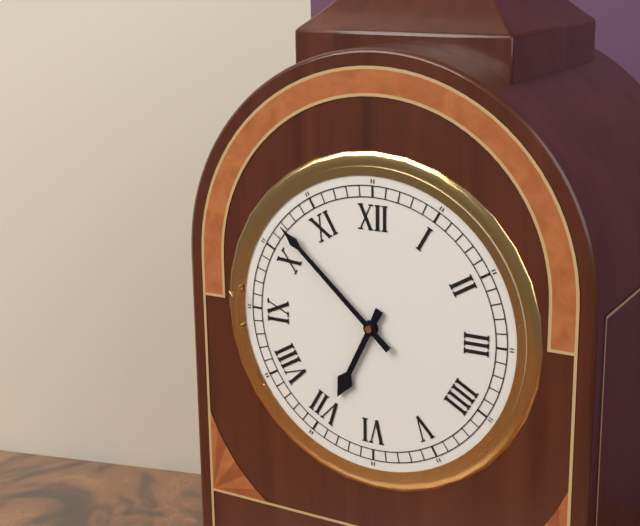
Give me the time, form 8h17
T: 6h52
